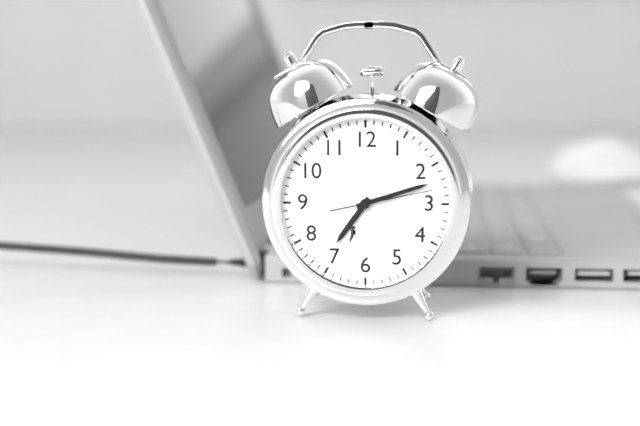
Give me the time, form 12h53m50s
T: 7h12m13s
